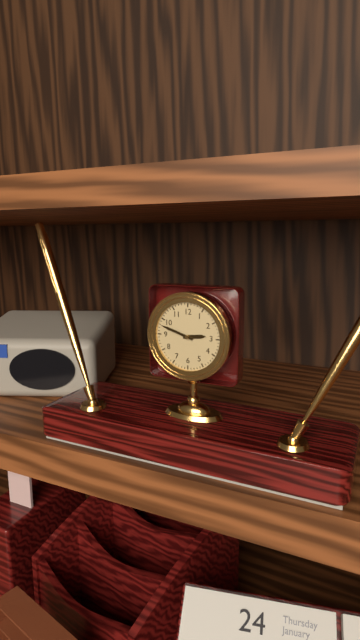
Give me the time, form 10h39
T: 2h48
